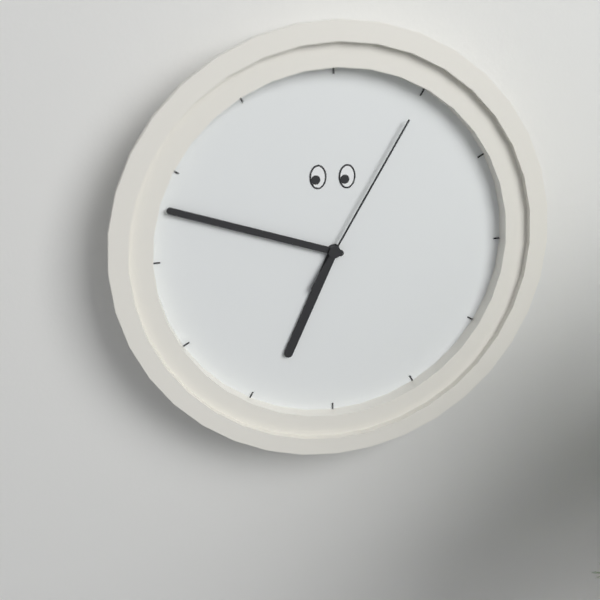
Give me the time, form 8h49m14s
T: 6h48m05s
